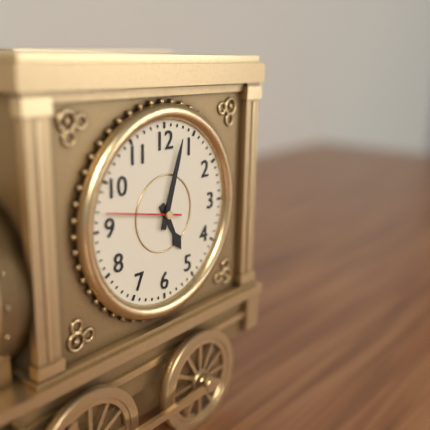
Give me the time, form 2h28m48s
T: 5h03m47s
